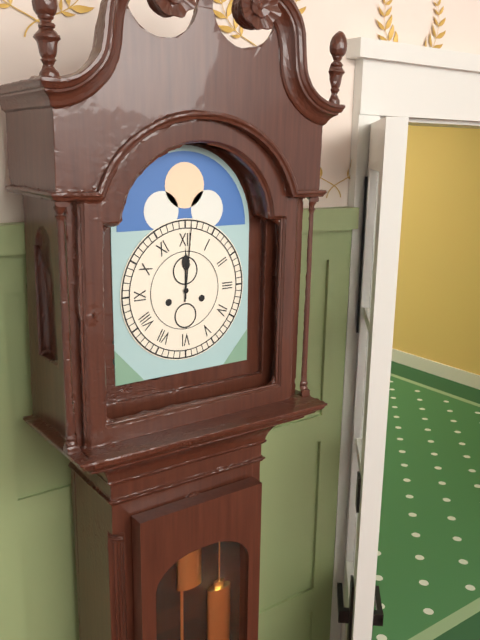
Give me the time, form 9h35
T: 12h01
